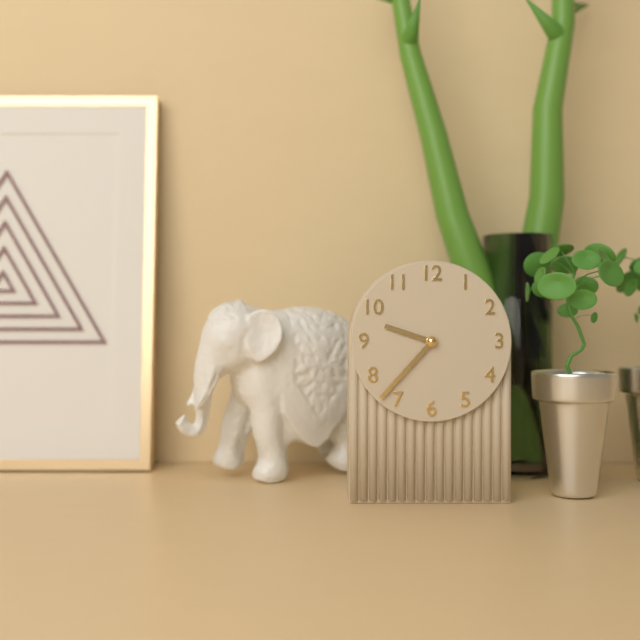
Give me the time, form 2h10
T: 9h37
